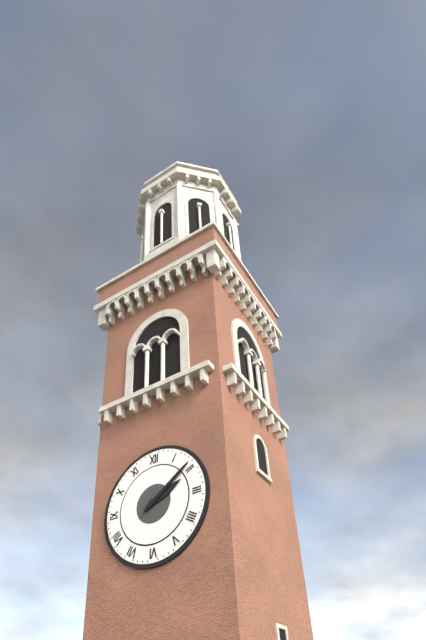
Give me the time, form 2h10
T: 2h09
